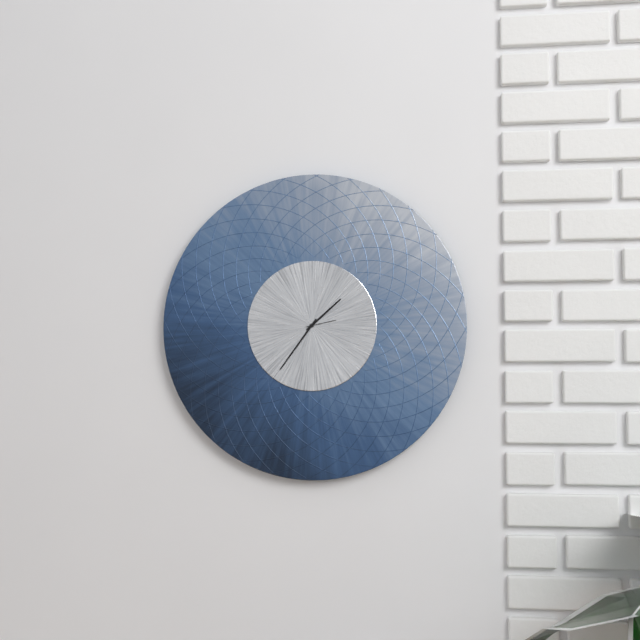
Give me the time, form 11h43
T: 1h36
